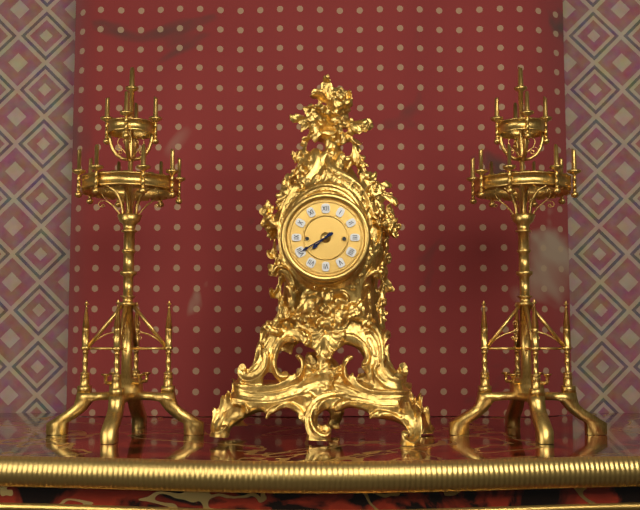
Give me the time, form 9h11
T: 7h40
